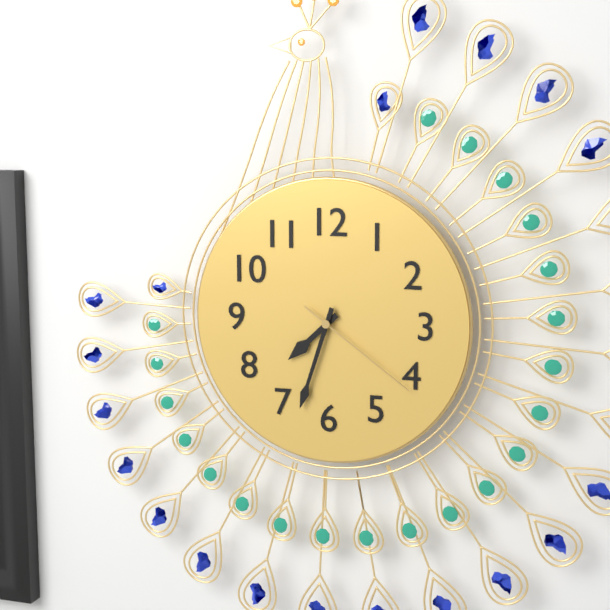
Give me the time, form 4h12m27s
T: 7h33m21s
